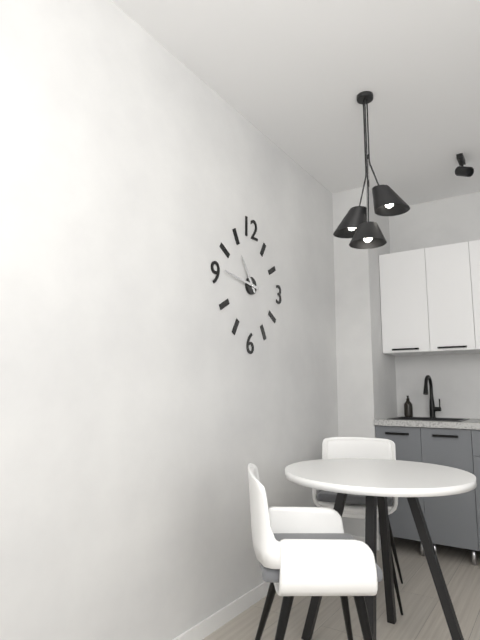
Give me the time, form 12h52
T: 10h46
